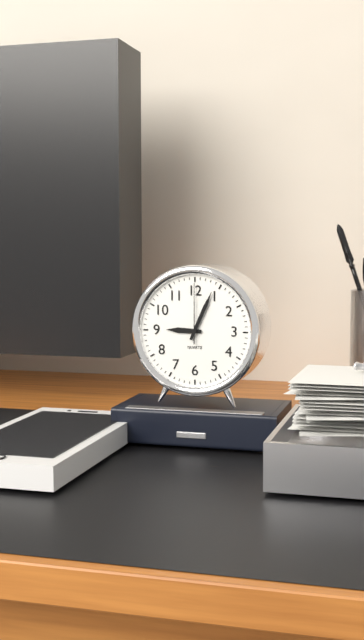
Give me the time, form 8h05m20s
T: 9h04m00s
